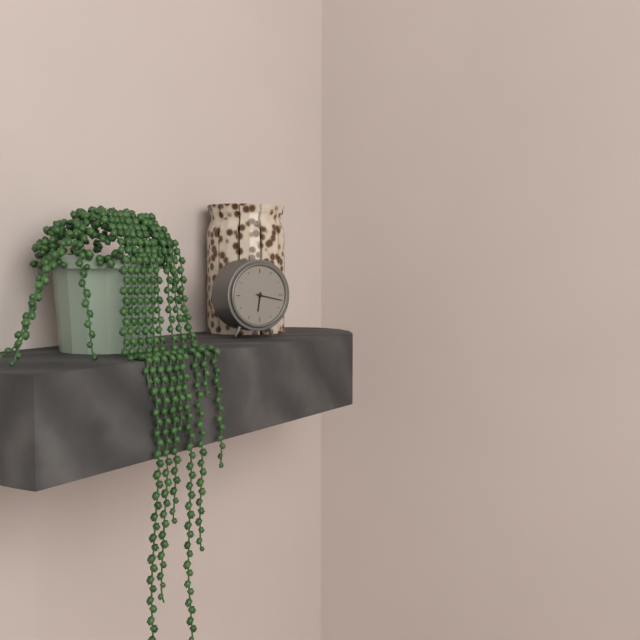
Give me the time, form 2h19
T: 6h17
